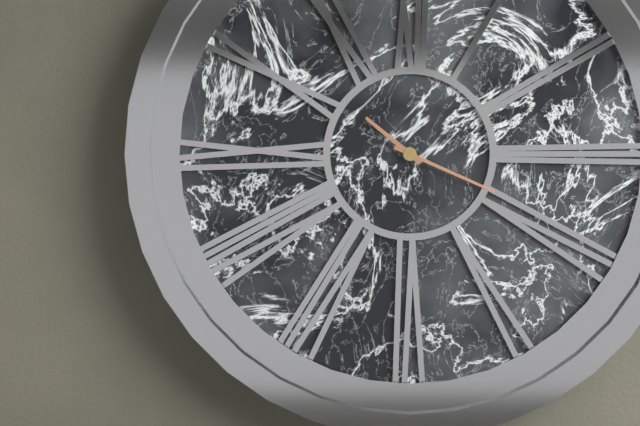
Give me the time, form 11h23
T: 10h19
